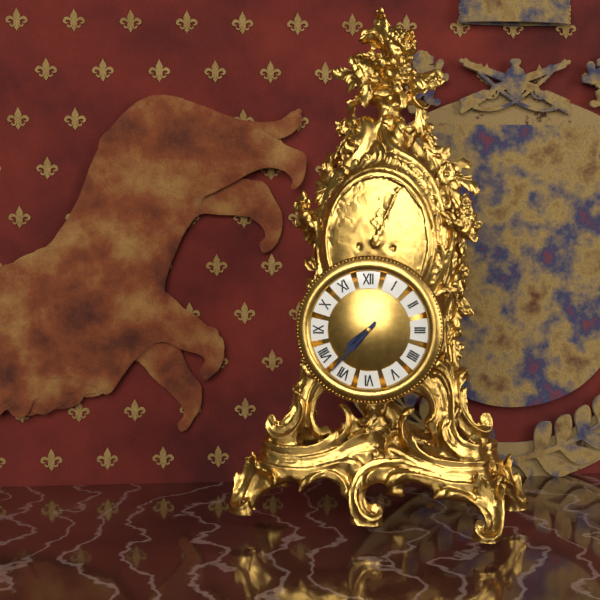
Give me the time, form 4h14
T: 7h37
